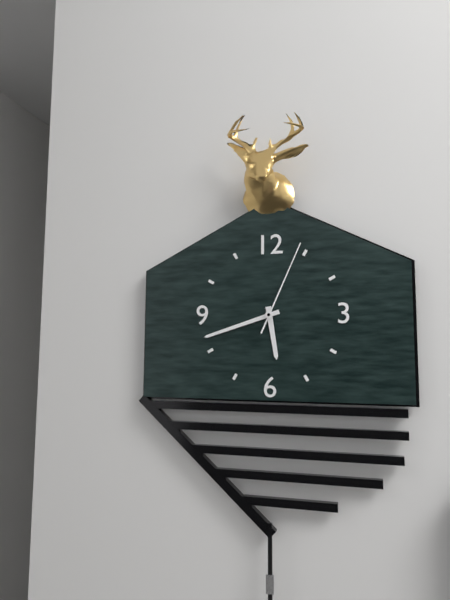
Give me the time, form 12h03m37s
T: 5h42m04s
